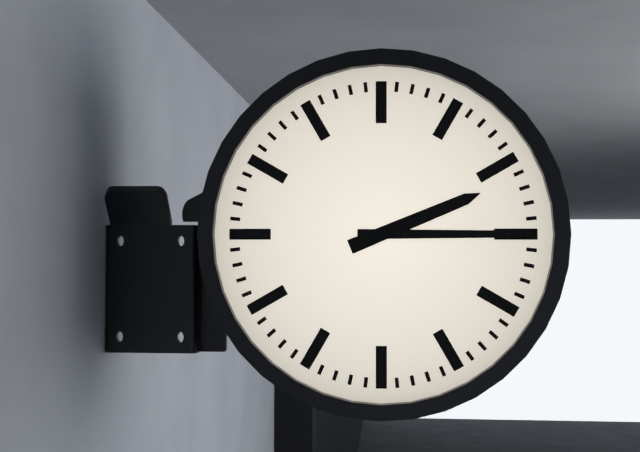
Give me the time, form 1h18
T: 2h15
